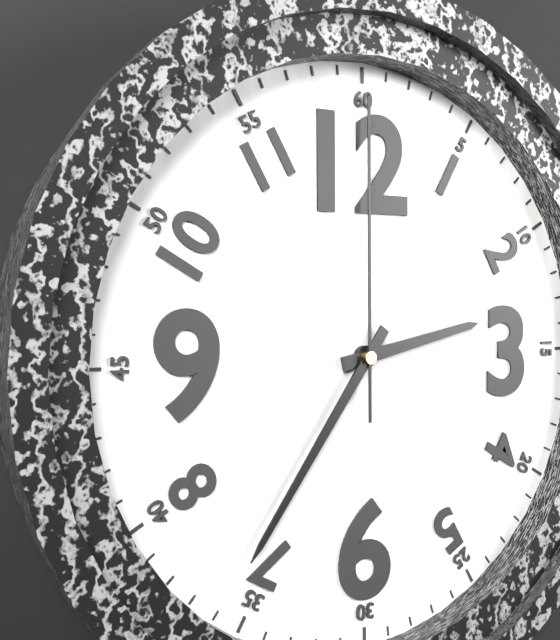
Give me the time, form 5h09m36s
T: 2h36m00s
